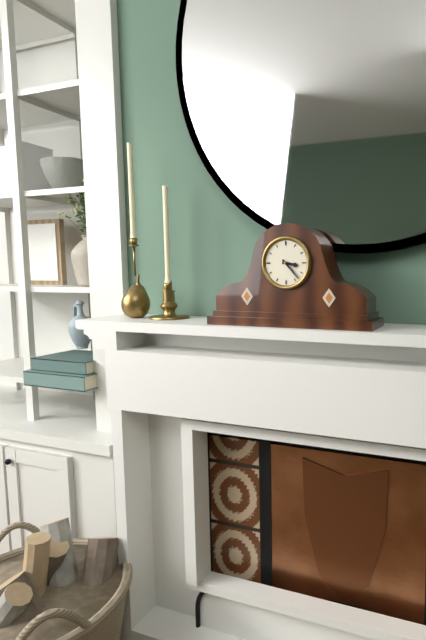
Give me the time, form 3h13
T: 3h23
